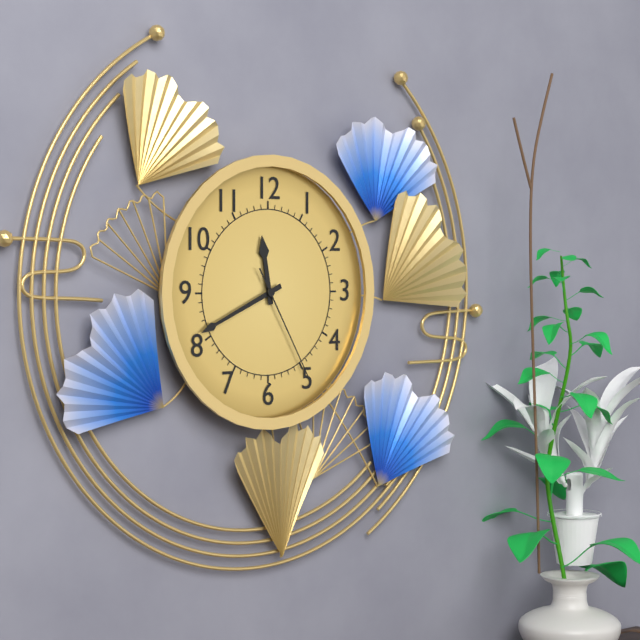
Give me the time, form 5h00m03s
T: 11h41m25s
